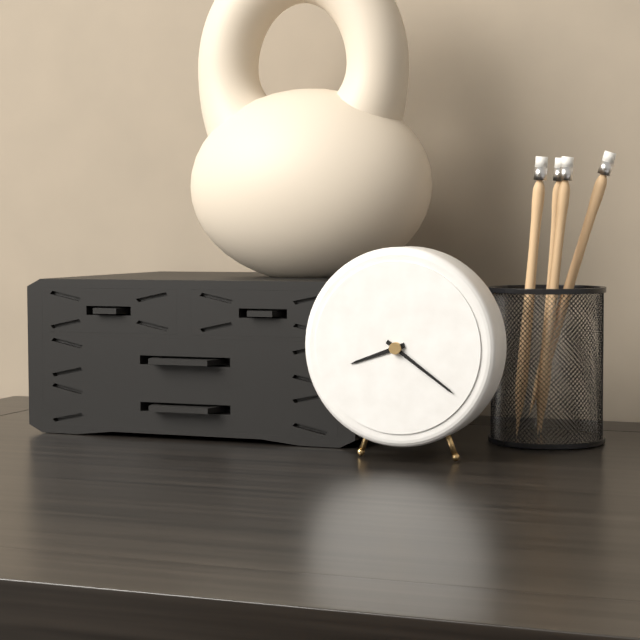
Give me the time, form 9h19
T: 8h21
